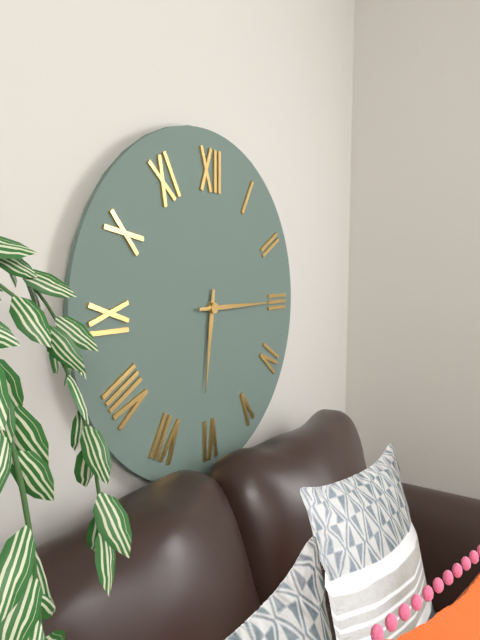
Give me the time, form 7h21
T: 6h15
